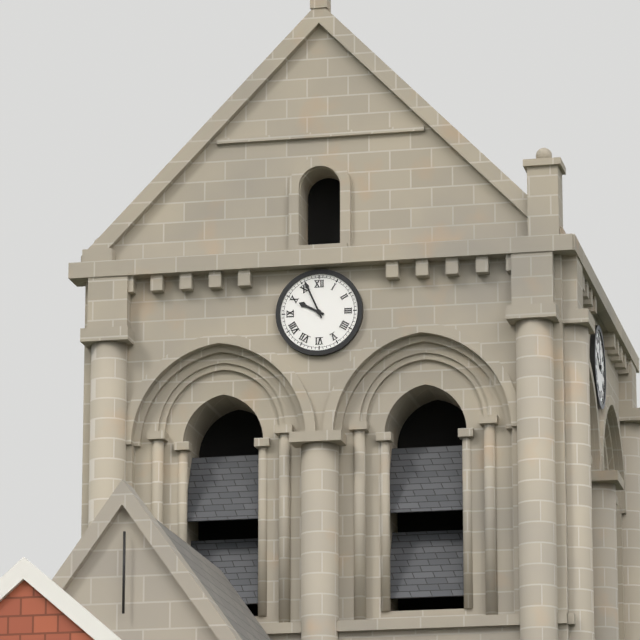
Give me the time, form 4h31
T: 9h56
